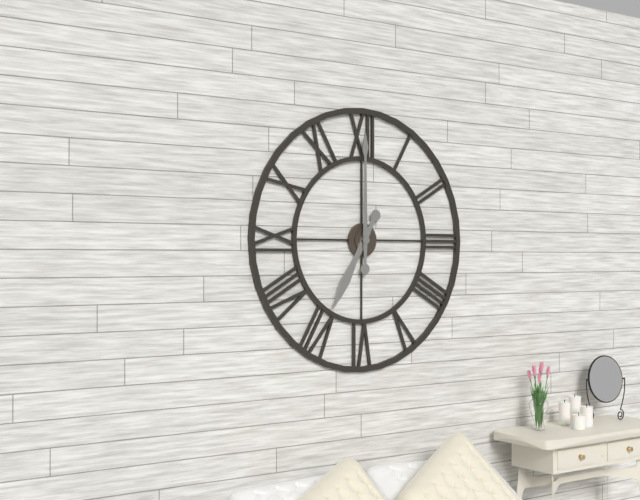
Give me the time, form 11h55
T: 7h00
